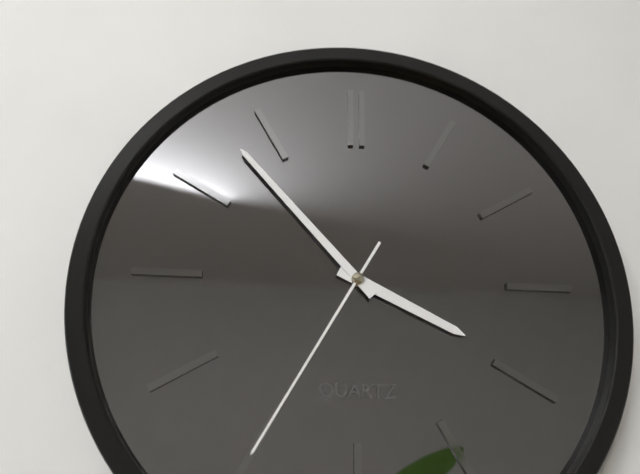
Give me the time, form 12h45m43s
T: 3h53m35s
